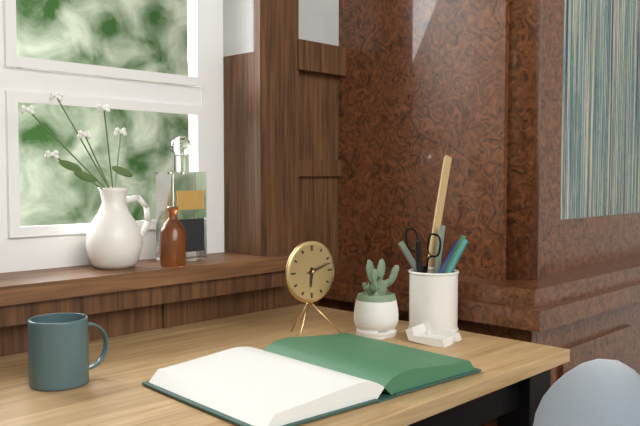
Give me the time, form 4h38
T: 6h12
